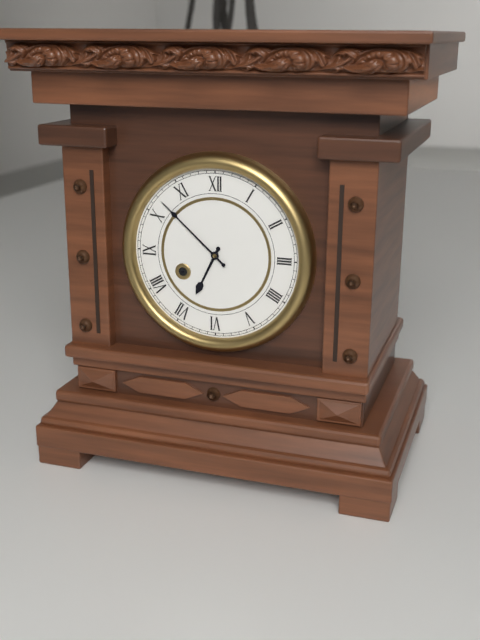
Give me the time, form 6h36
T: 6h52
